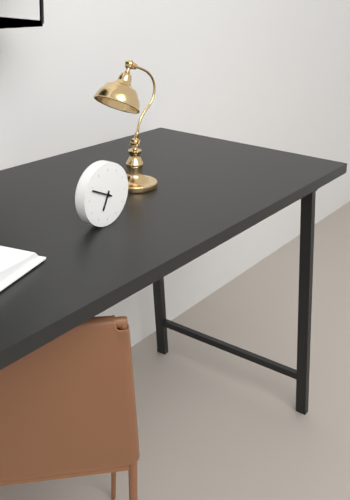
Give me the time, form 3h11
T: 6h49
